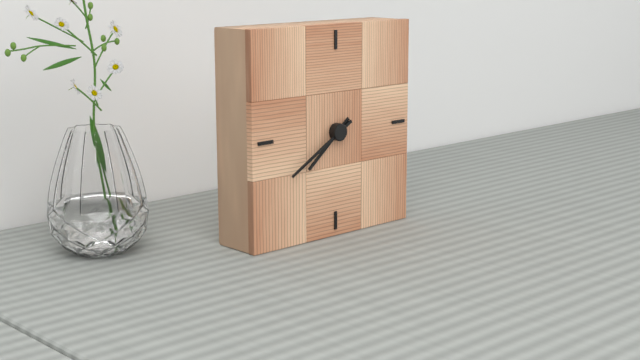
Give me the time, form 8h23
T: 7h40
